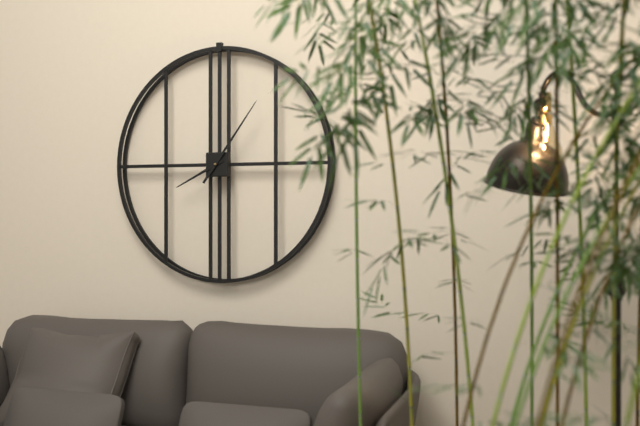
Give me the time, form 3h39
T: 8h06
